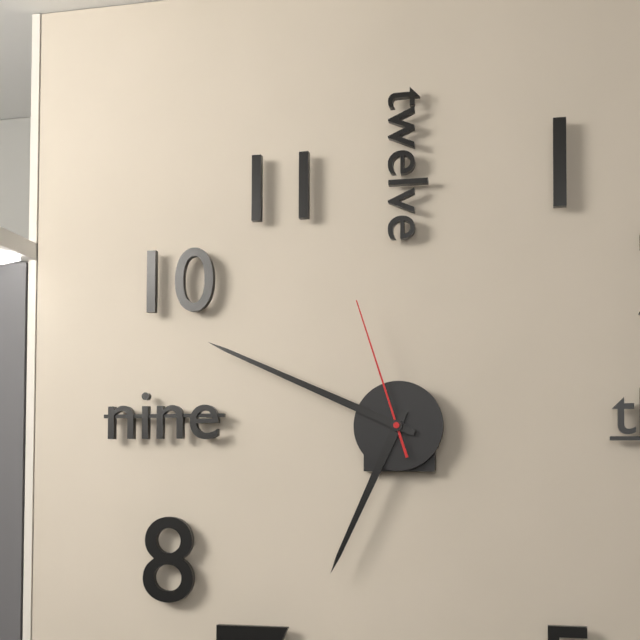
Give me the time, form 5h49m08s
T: 6h49m57s
